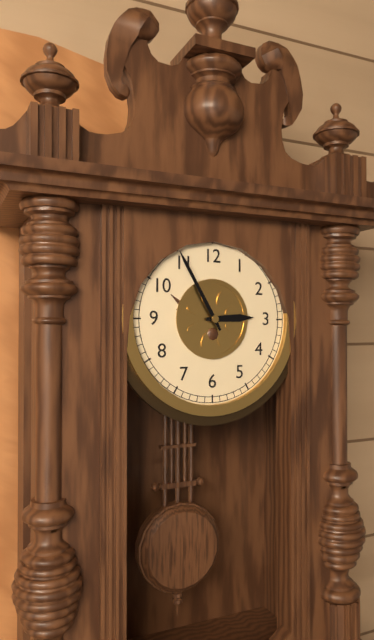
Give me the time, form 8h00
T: 2h55
